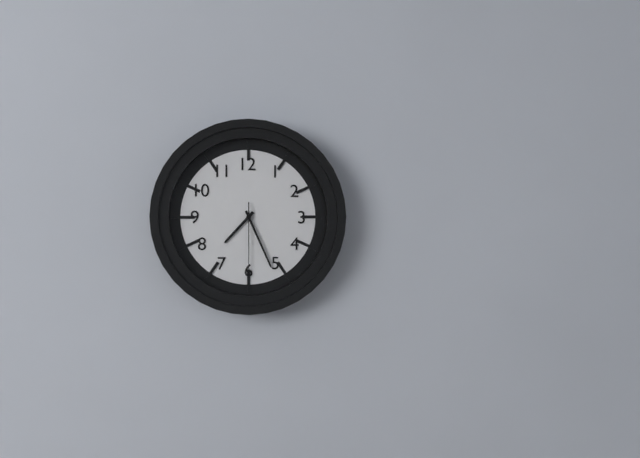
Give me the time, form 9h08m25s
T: 7h26m30s
